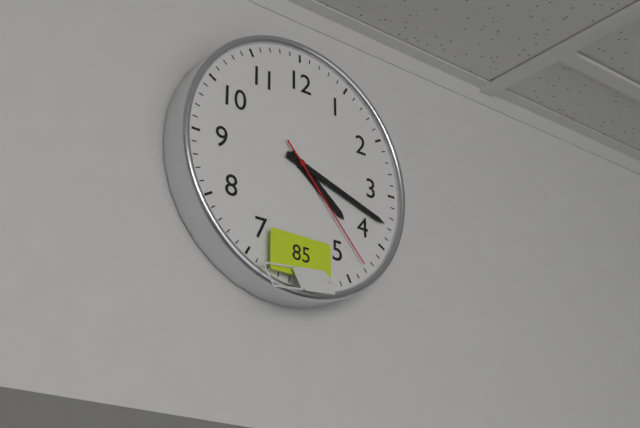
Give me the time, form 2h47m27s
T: 4h18m23s
